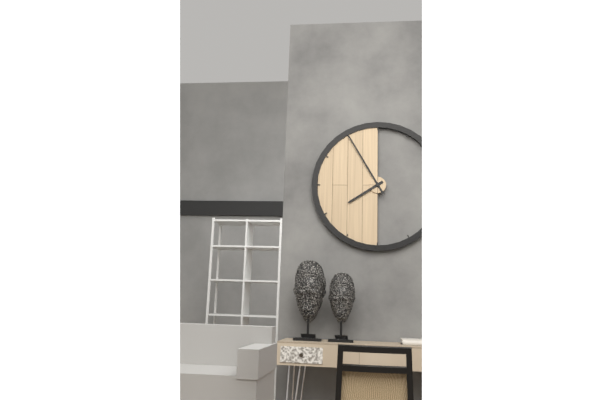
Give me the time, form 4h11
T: 7h55
